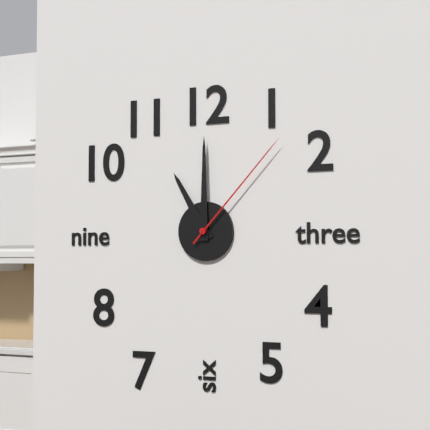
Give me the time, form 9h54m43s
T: 11h00m07s
